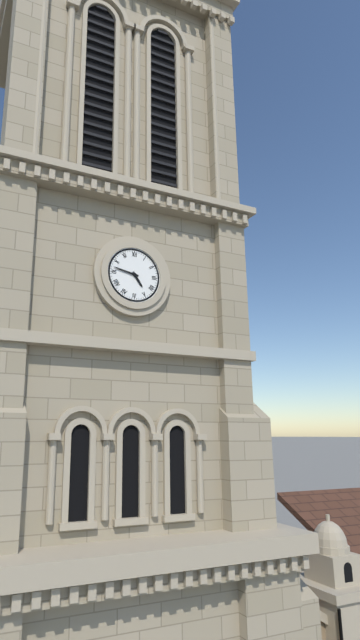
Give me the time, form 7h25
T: 4h47
